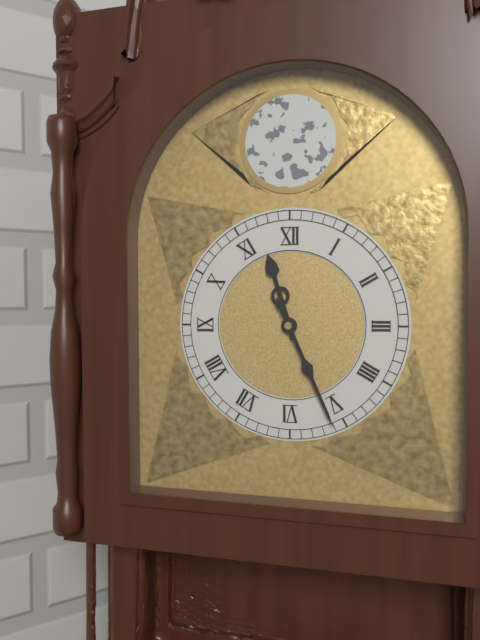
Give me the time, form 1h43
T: 11h26
